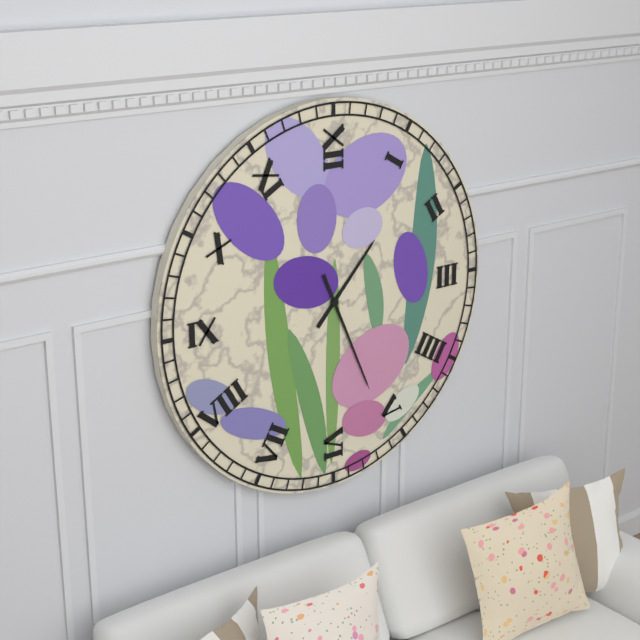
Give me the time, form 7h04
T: 1h26
